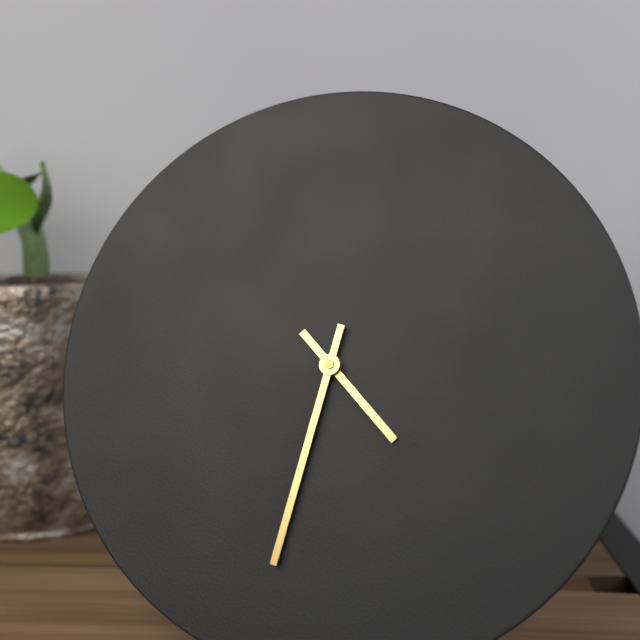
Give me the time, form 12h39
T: 4h32
